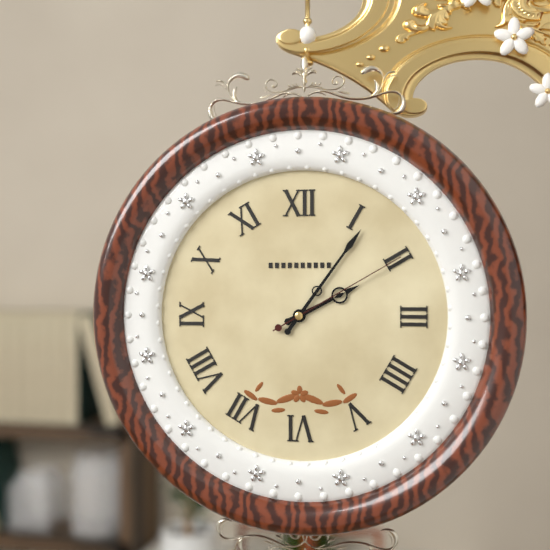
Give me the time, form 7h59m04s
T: 2h06m10s
